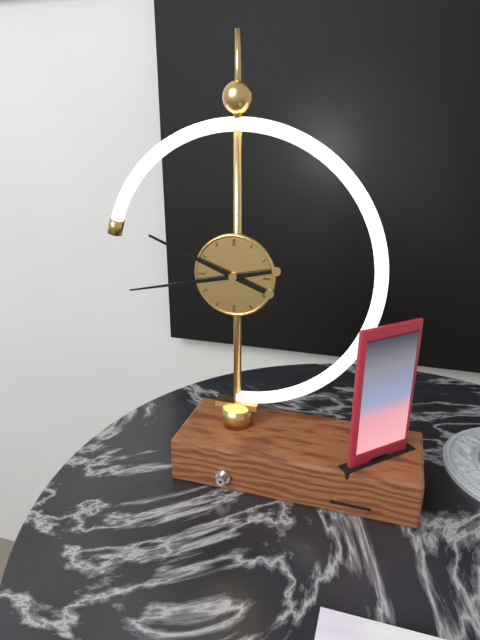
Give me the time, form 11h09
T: 9h43
